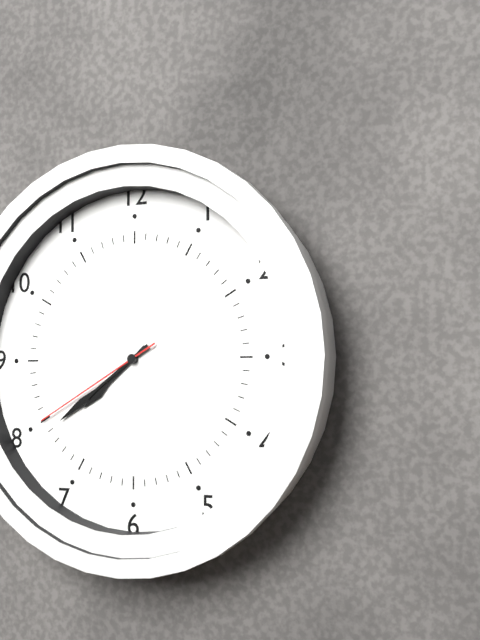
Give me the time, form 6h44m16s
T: 7h39m40s
